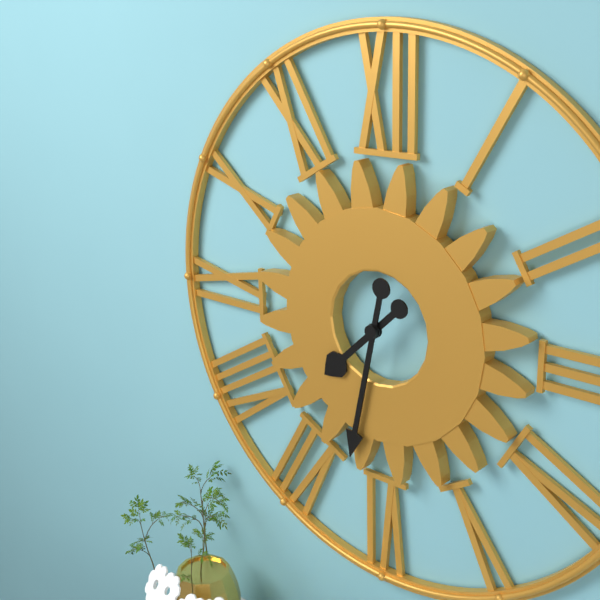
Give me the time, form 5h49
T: 7h32
